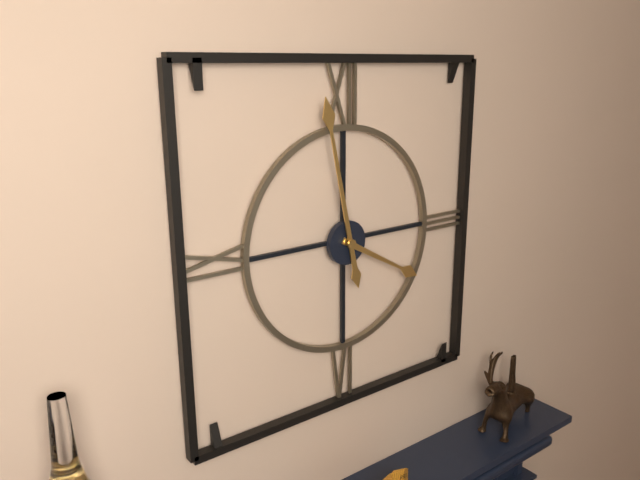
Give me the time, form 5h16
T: 3h58
